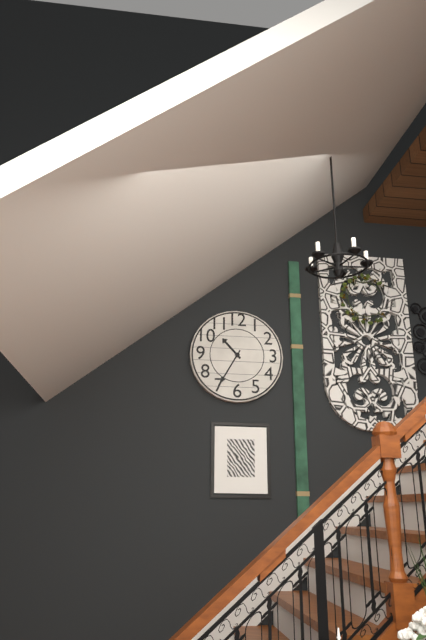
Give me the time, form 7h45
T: 10h35
